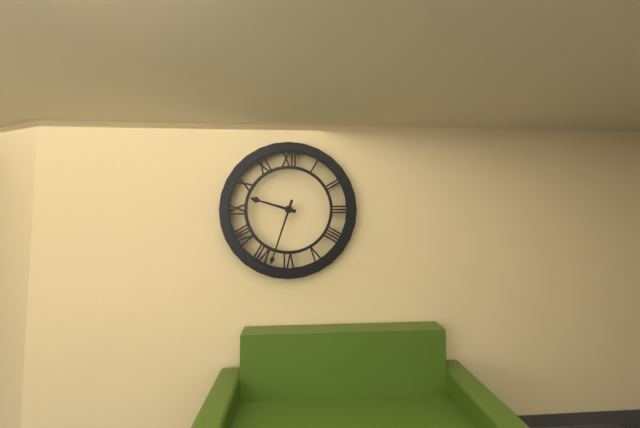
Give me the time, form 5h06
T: 9h33
